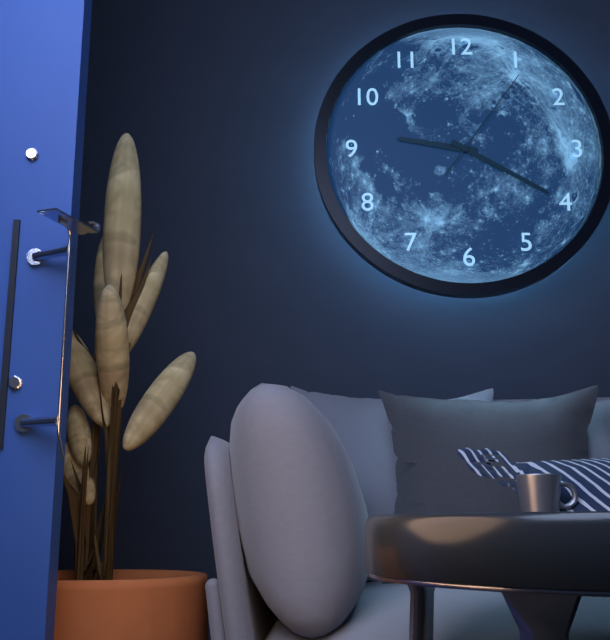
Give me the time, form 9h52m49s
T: 9h20m06s
